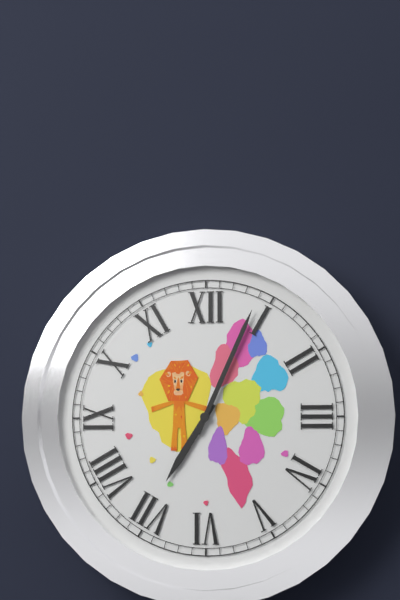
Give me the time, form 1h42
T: 7h04
